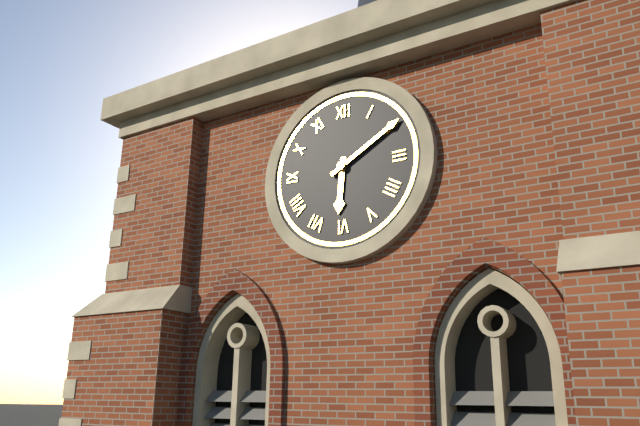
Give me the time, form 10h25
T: 6h10
